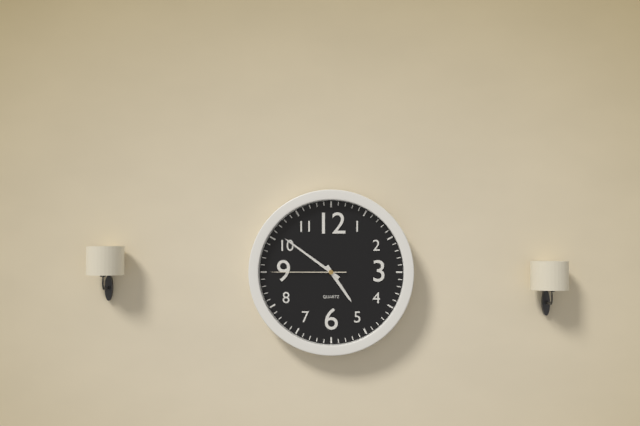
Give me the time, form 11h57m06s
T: 4h51m45s
